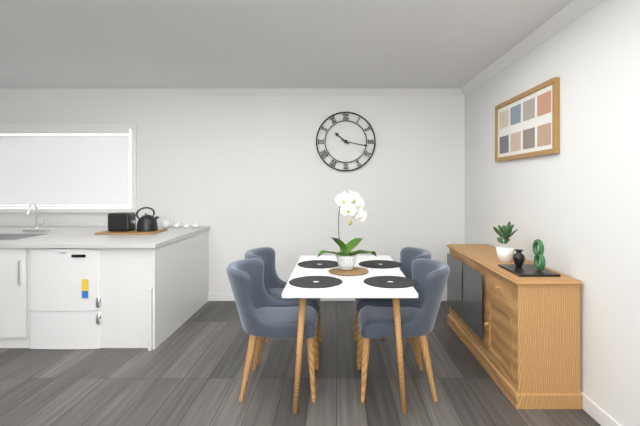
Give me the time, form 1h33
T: 10h17
